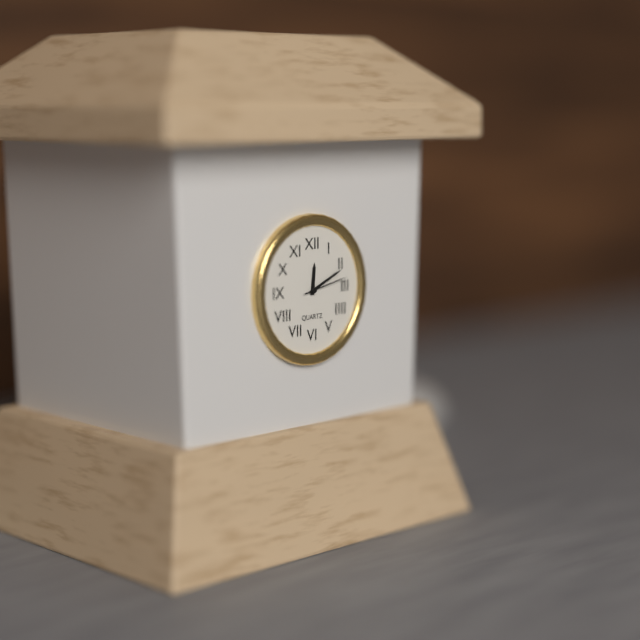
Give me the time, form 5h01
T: 12h11
